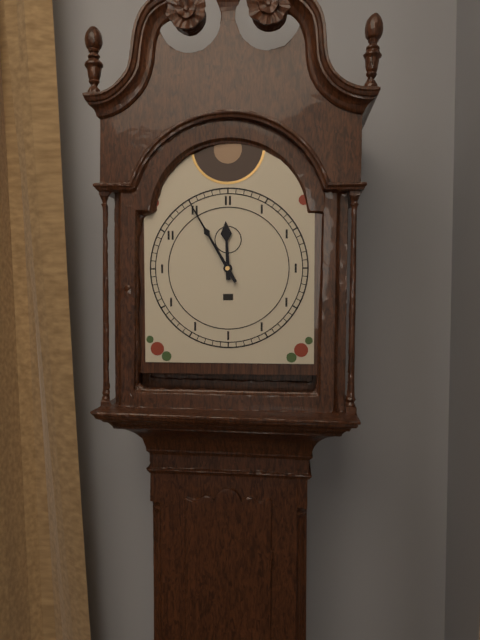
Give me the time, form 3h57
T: 11h55
